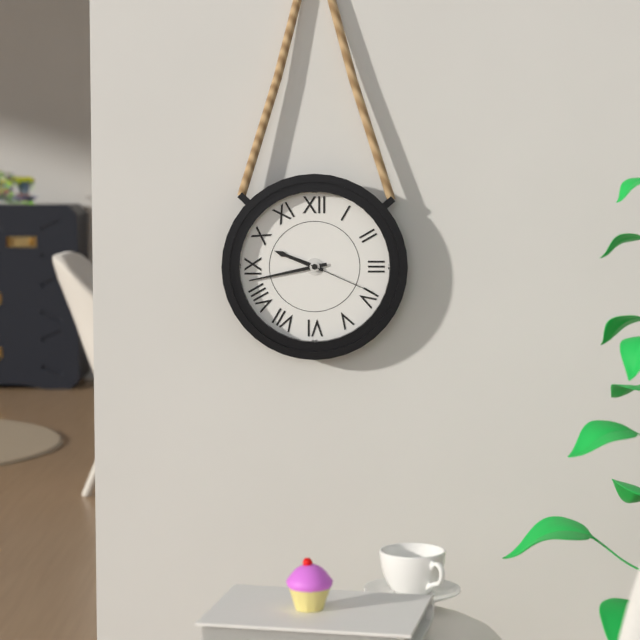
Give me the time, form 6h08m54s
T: 9h43m19s
